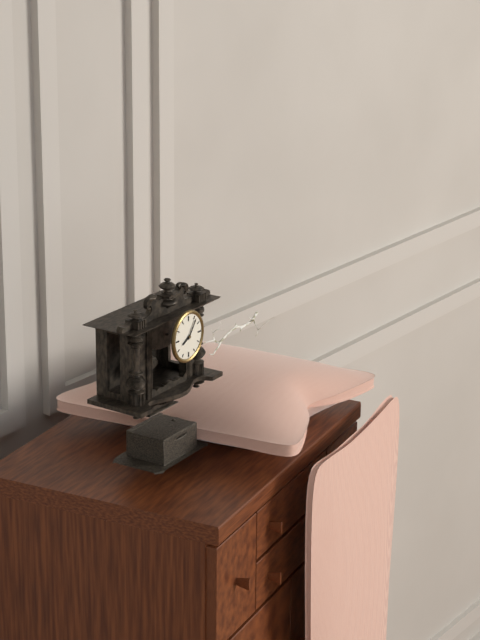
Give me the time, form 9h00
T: 8h06
